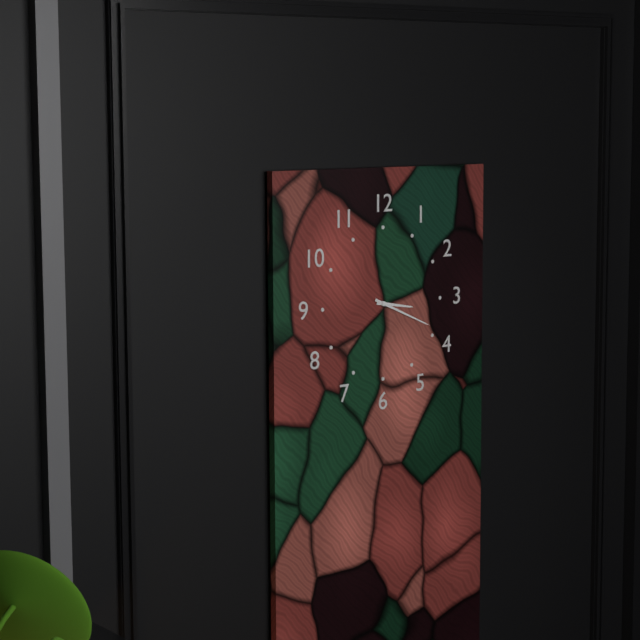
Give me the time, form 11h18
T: 3h19
